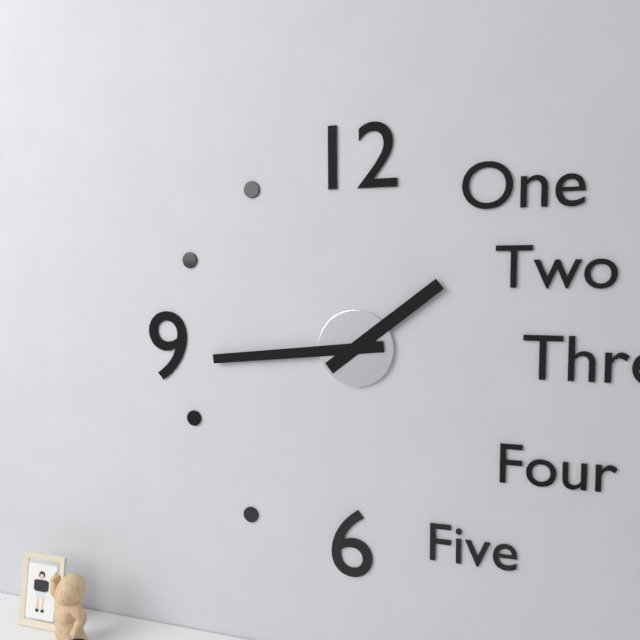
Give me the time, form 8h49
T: 1h44
